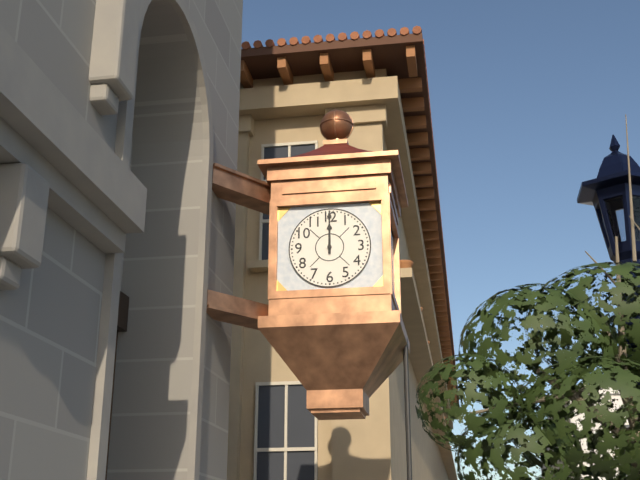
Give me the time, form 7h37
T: 12h00
